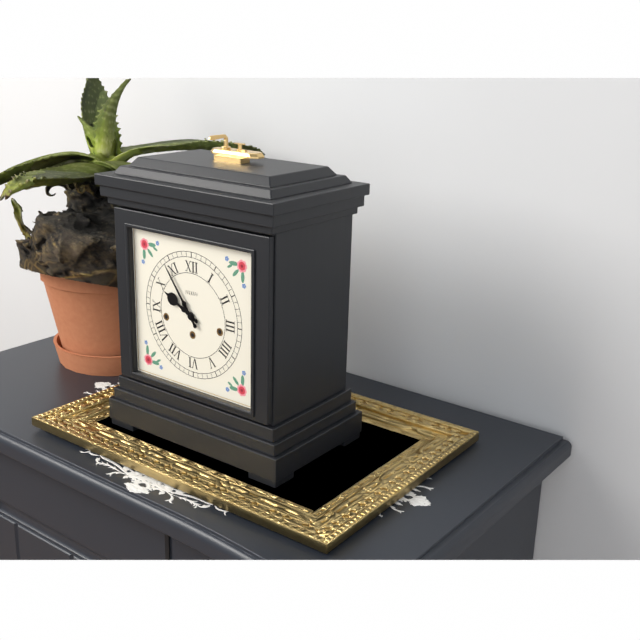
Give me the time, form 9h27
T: 9h54
